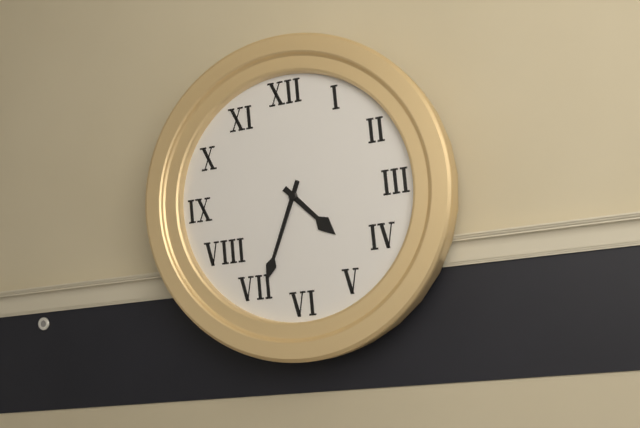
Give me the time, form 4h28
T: 4h34
